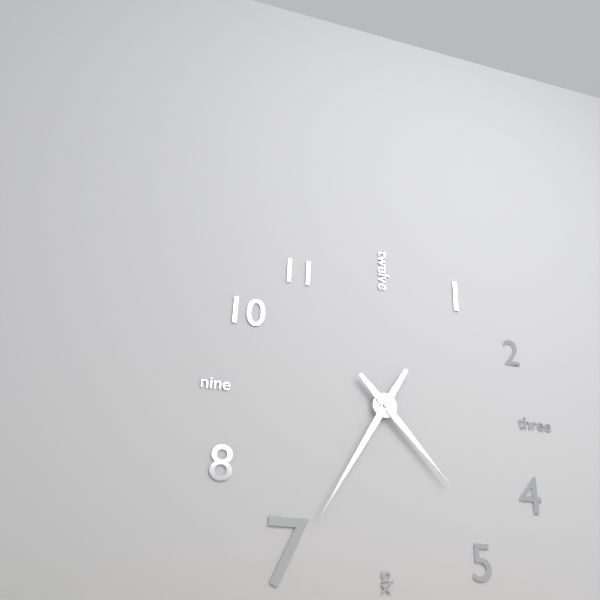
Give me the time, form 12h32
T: 4h35
